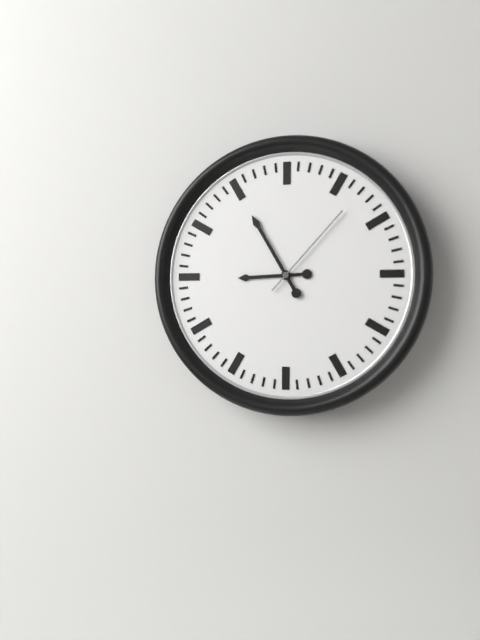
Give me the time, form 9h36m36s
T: 8h55m07s
